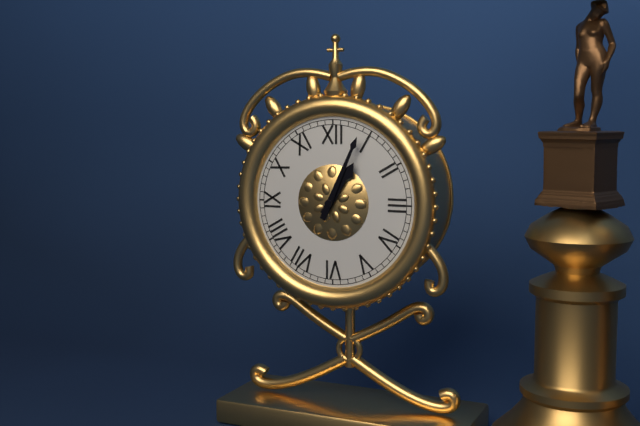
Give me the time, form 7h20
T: 1h04
